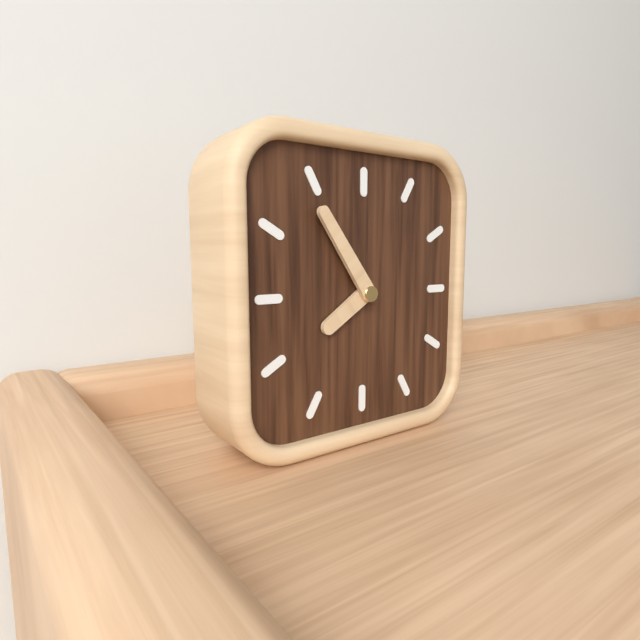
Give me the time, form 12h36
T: 7h54
